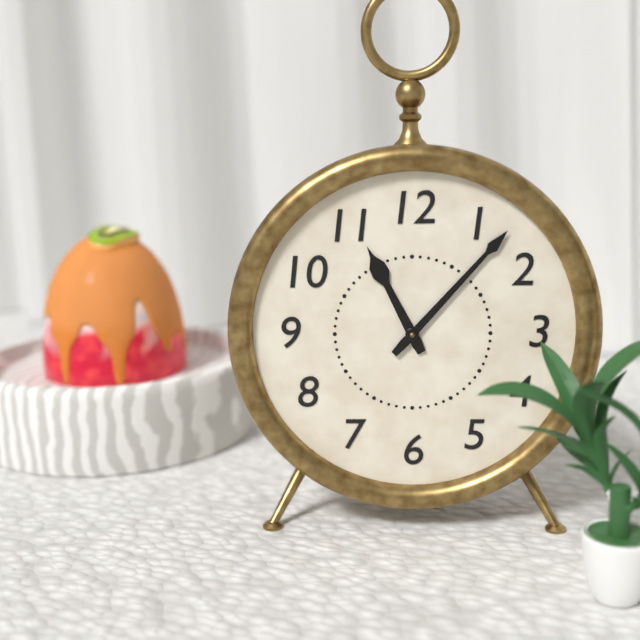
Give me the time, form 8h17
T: 11h07
